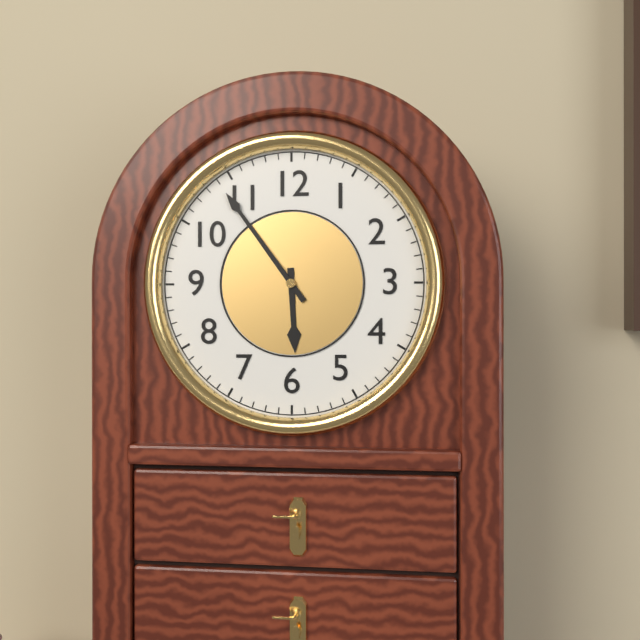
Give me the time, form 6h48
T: 5h54
